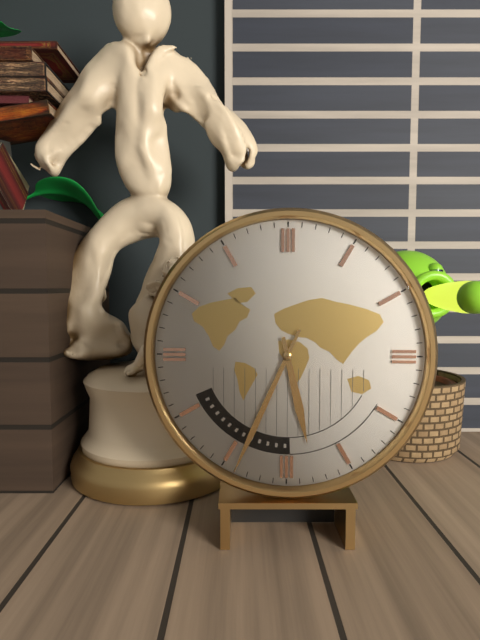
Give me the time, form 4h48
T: 5h34
